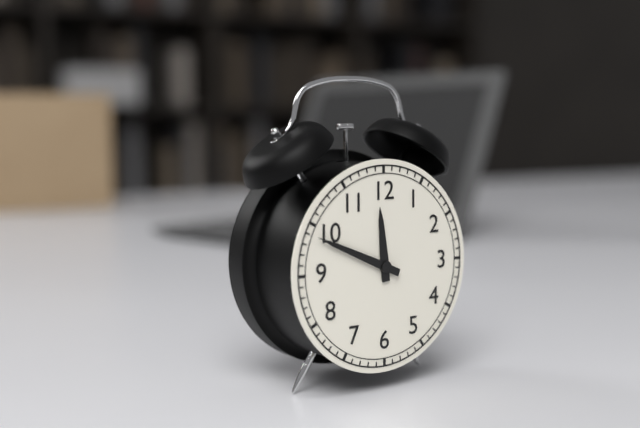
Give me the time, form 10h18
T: 11h49
